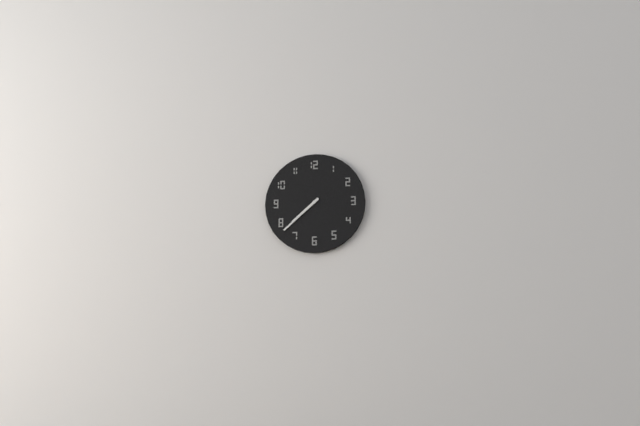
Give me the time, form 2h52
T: 7h38
